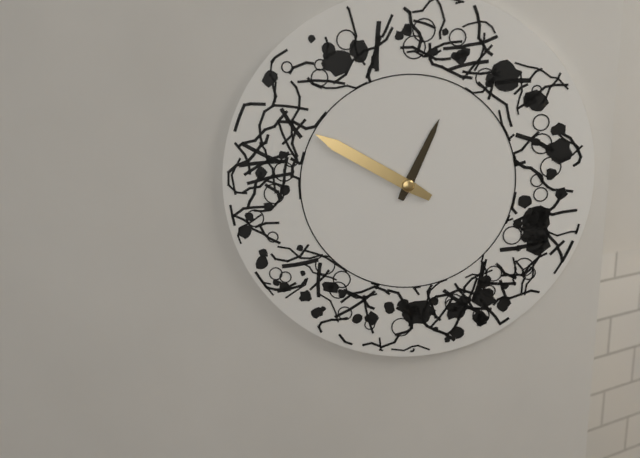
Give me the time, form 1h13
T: 12h50
